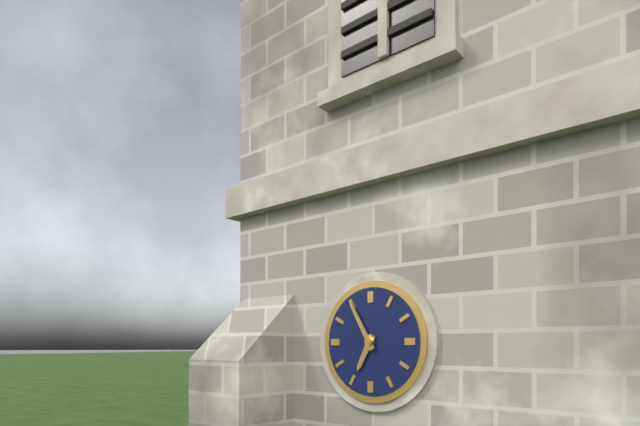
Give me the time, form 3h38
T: 6h55
